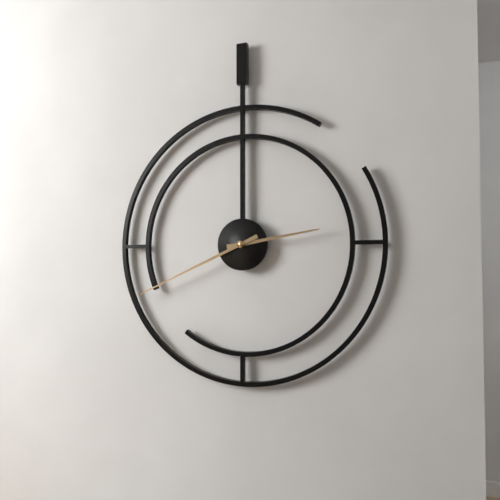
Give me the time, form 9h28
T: 2h41
